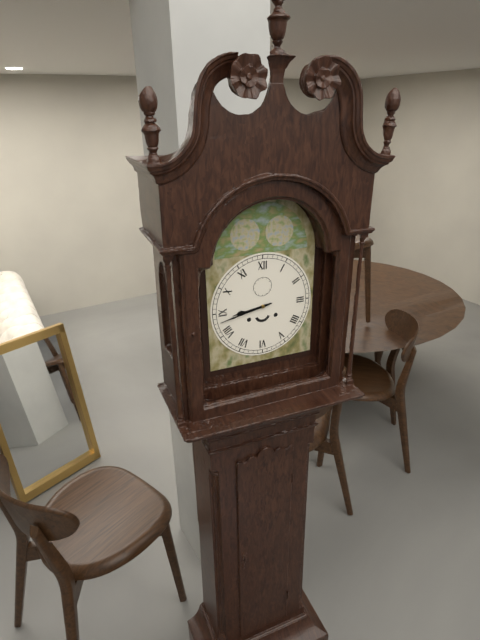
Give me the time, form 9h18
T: 8h43
